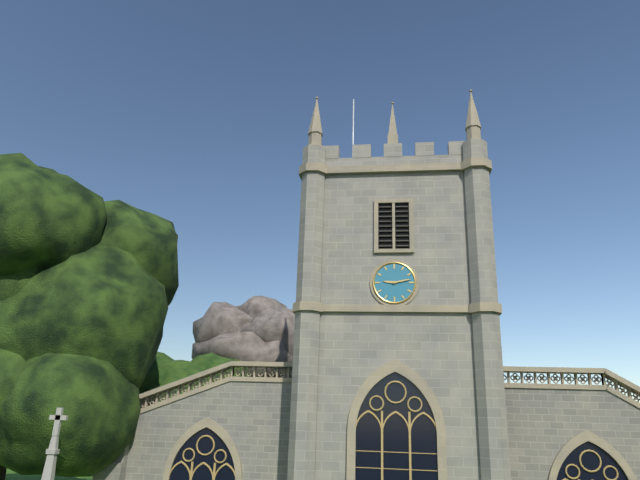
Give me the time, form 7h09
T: 9h13
